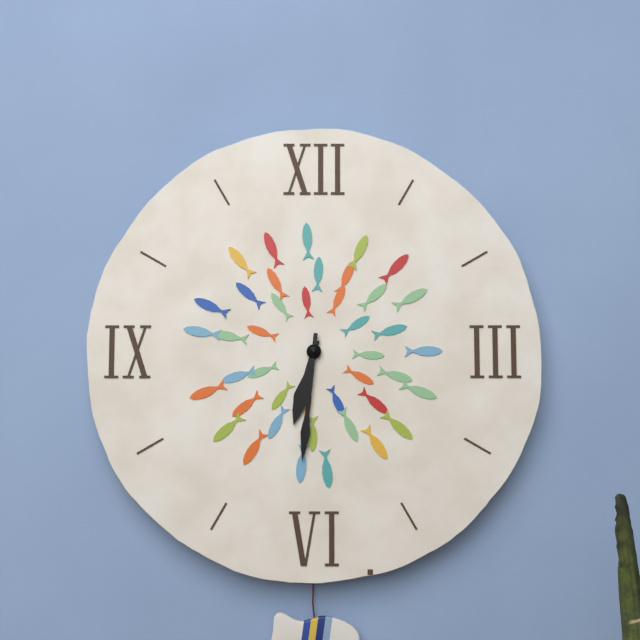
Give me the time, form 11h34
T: 6h31
